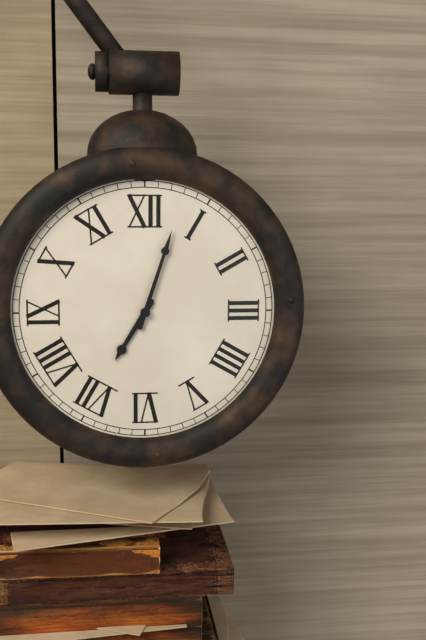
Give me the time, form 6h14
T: 7h03
